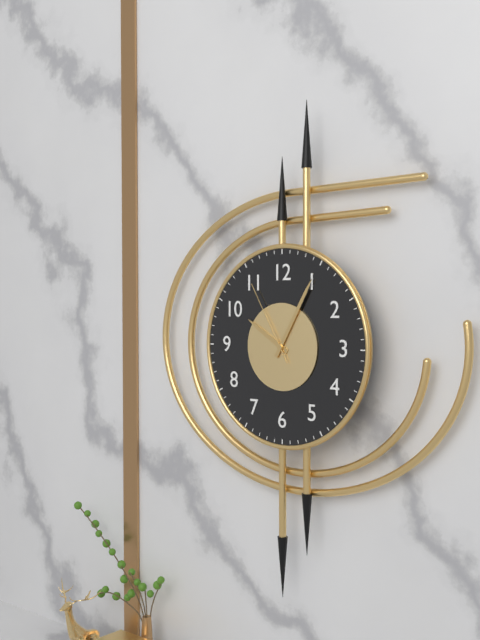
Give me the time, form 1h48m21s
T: 10h05m55s
